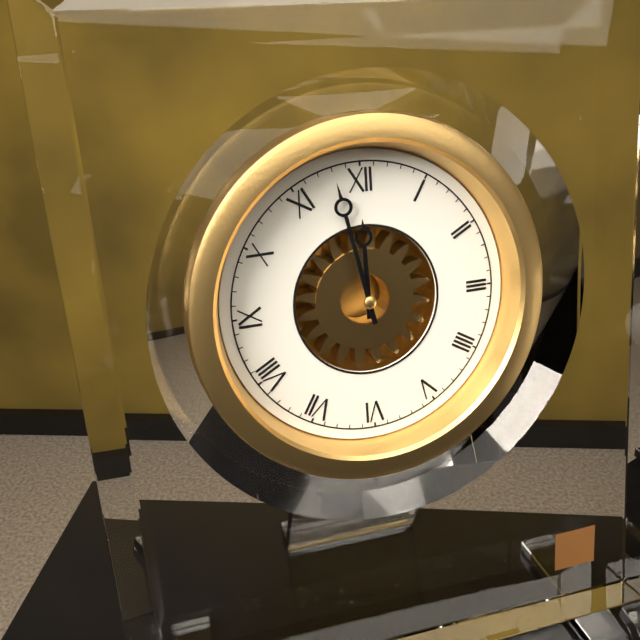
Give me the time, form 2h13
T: 11h58
